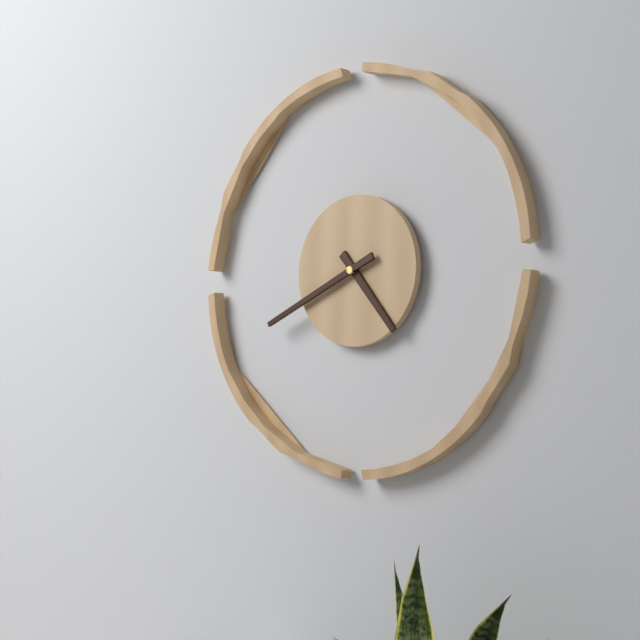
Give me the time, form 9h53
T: 4h41
